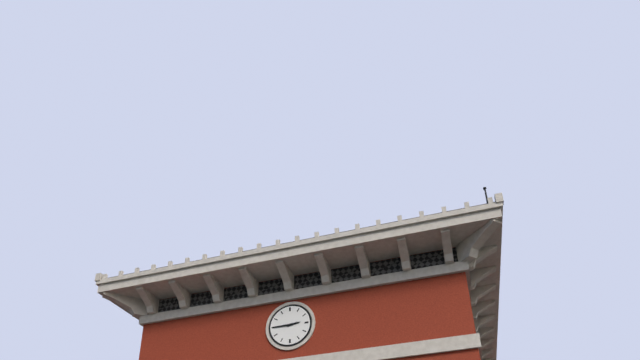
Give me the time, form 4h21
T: 2h45
